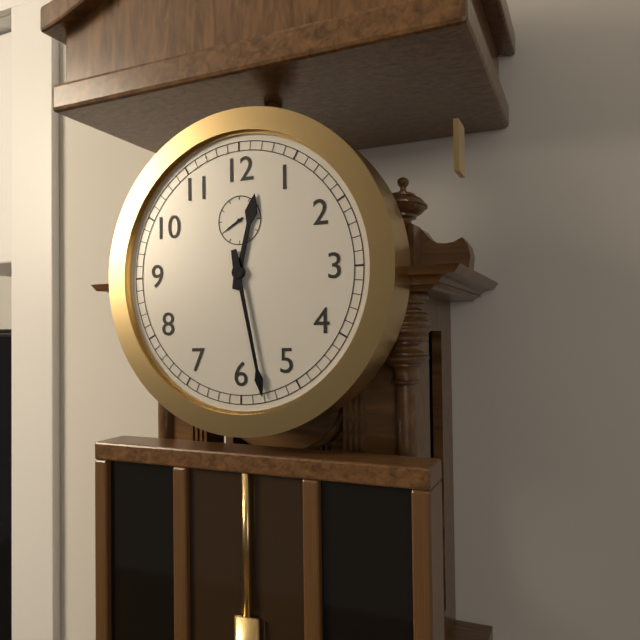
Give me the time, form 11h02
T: 12h28
